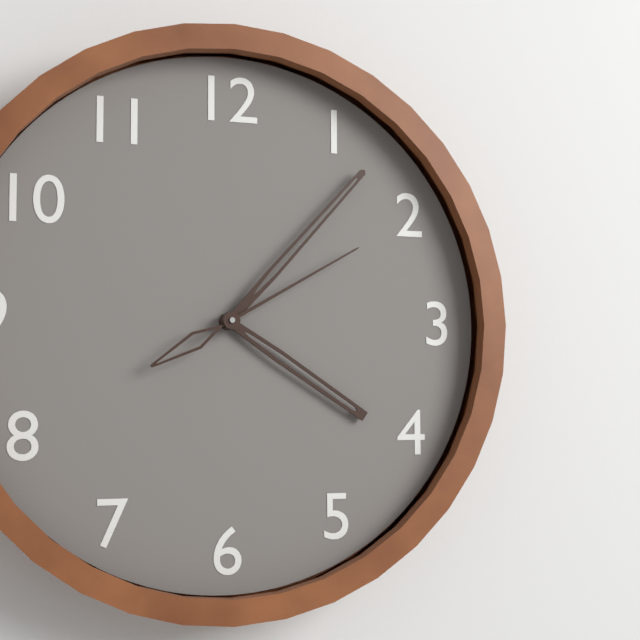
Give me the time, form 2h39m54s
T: 4h07m10s
